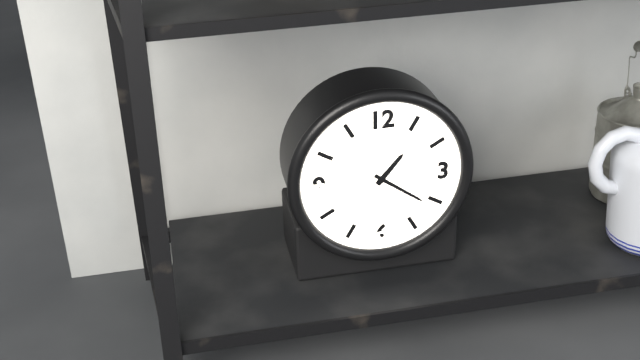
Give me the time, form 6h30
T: 1h21
